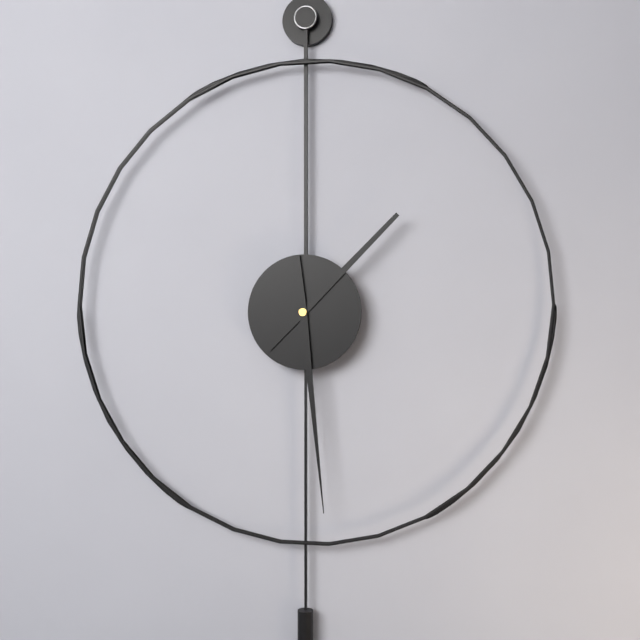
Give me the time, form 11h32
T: 1h29
